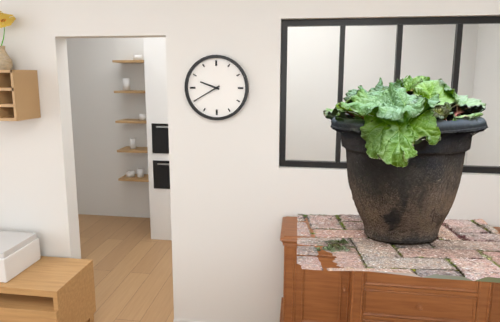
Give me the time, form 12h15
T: 9h40
